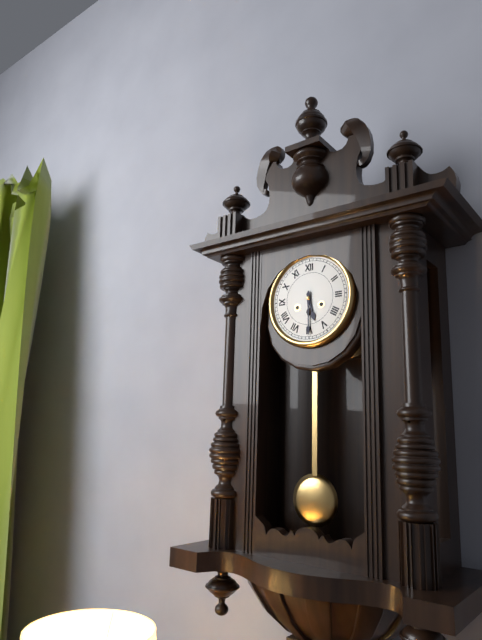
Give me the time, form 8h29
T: 5h30
